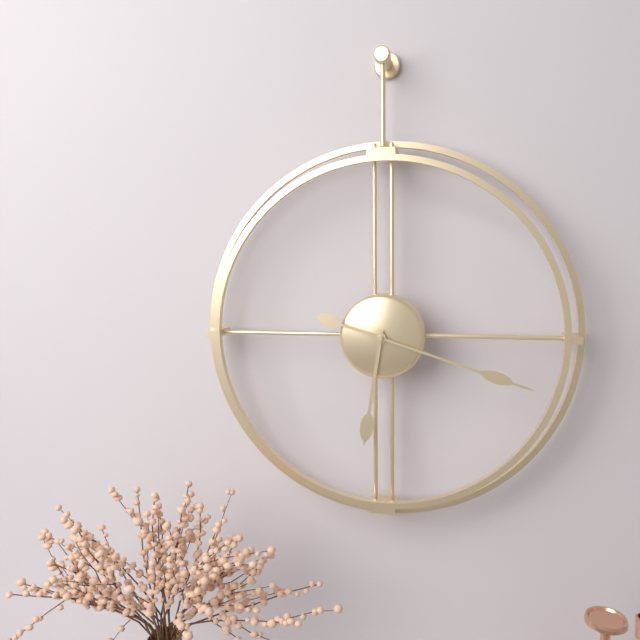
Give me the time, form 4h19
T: 6h18
